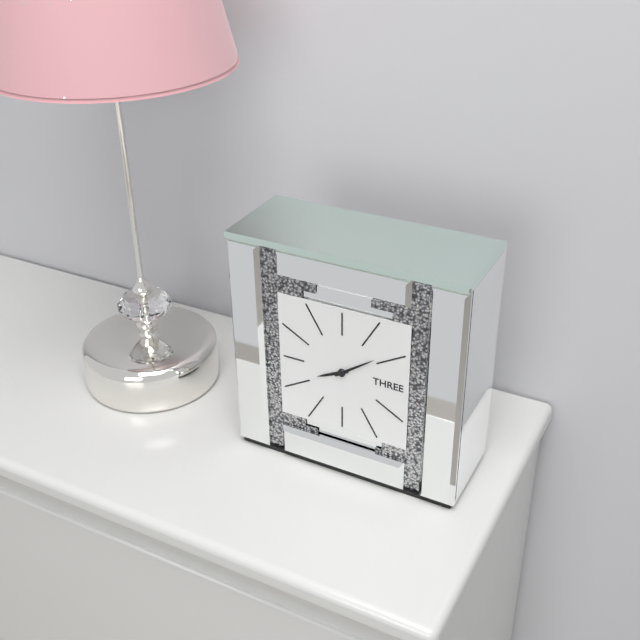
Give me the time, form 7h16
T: 8h09
